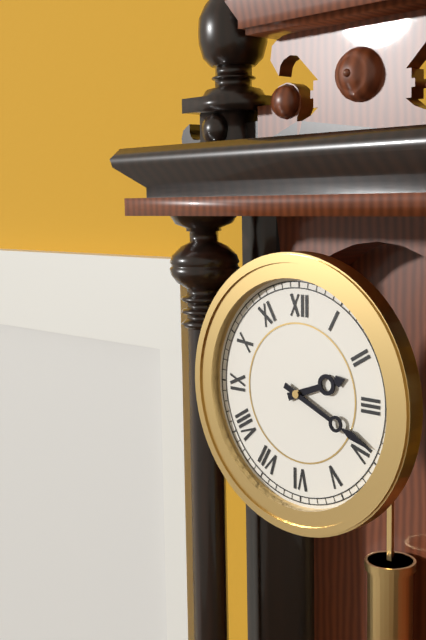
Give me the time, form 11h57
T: 2h19
